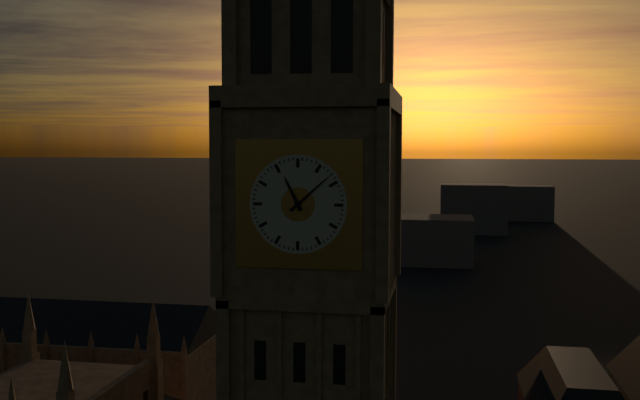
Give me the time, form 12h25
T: 11h08
